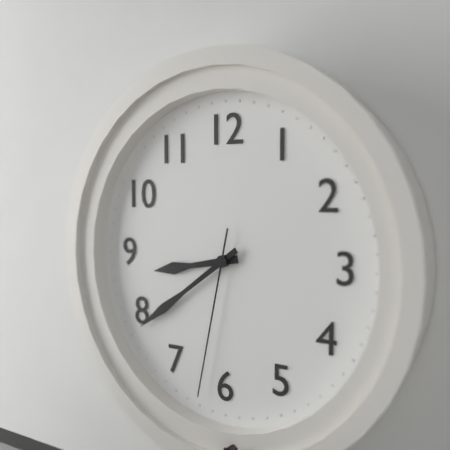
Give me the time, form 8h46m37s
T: 8h39m32s
